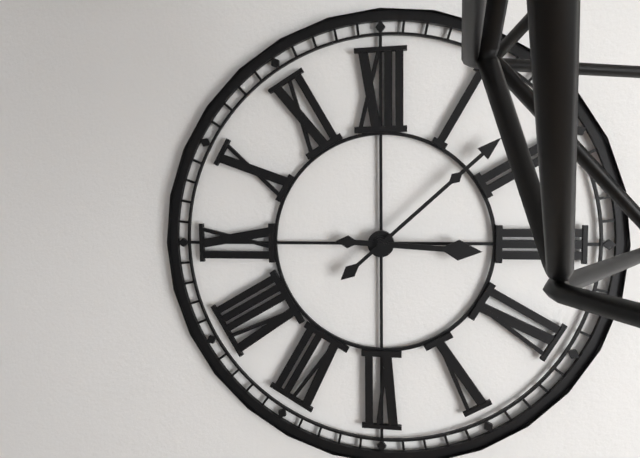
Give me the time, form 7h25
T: 3h08
